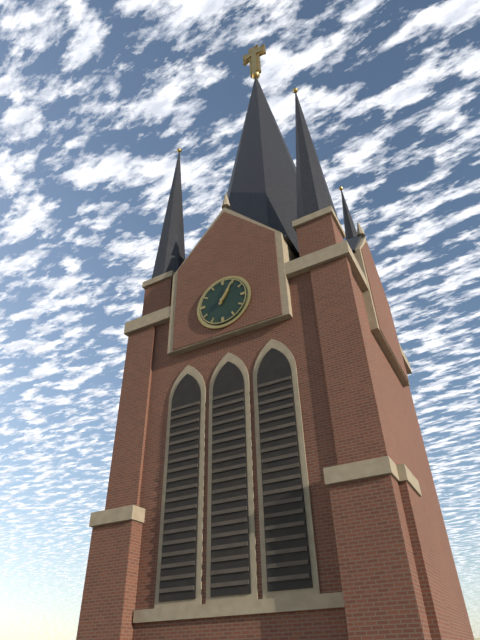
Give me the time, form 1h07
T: 1h05
